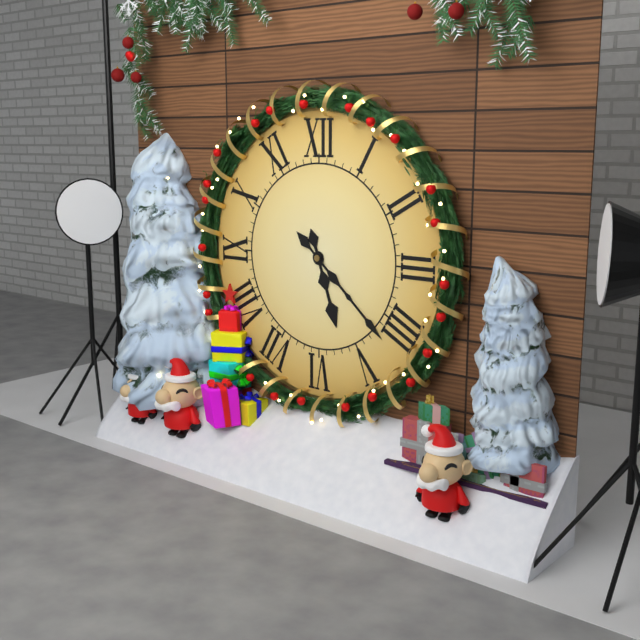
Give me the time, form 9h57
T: 5h22
